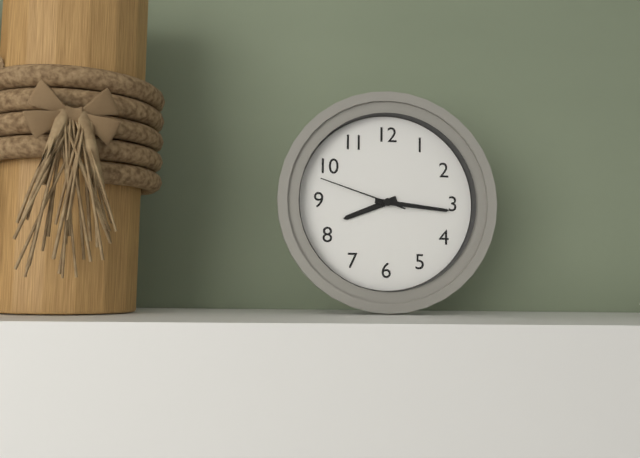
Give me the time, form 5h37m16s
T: 8h16m48s
